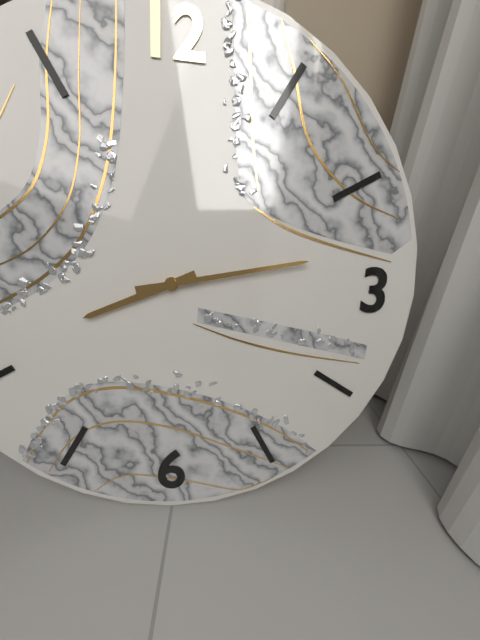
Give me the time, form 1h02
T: 8h13
